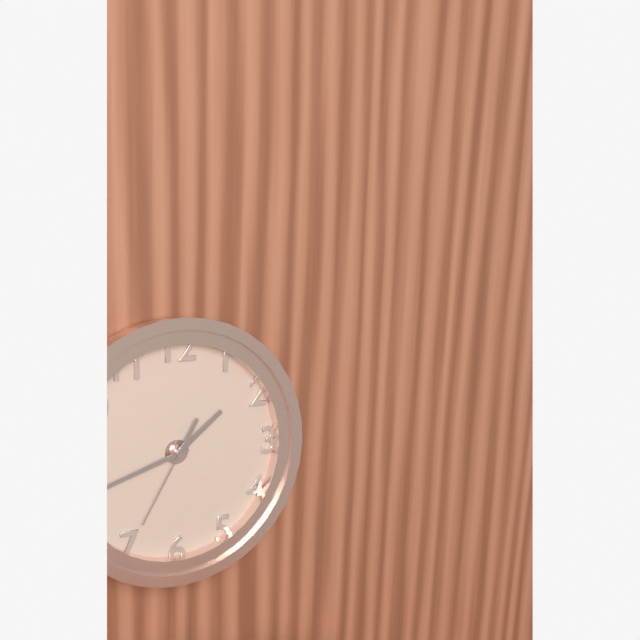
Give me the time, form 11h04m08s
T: 1h42m35s
